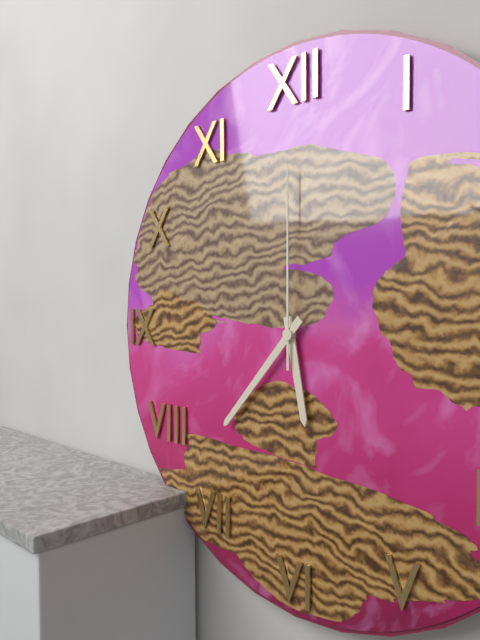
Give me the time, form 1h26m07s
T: 5h37m00s
